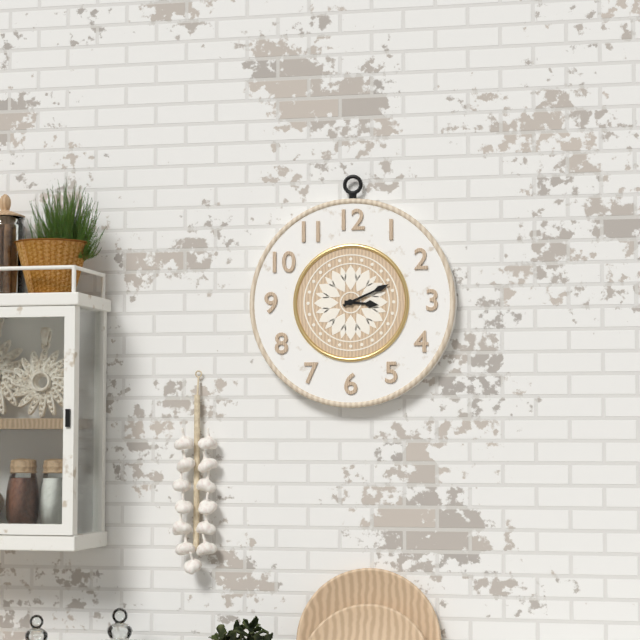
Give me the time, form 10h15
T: 3h11
